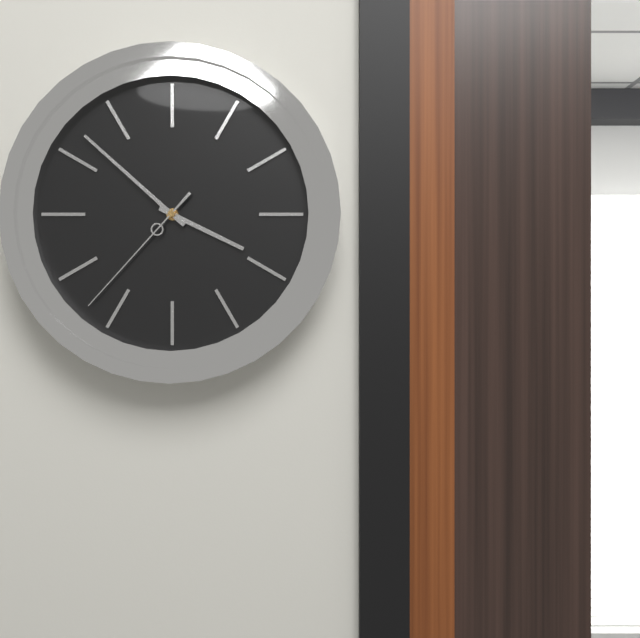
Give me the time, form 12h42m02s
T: 3h52m37s
